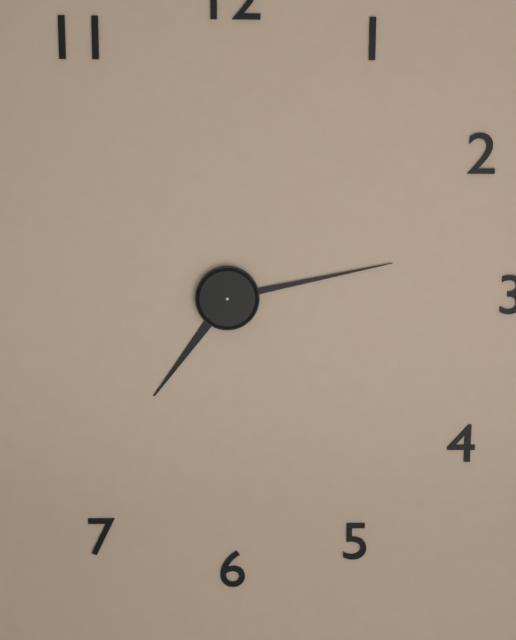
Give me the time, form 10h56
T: 7h13
